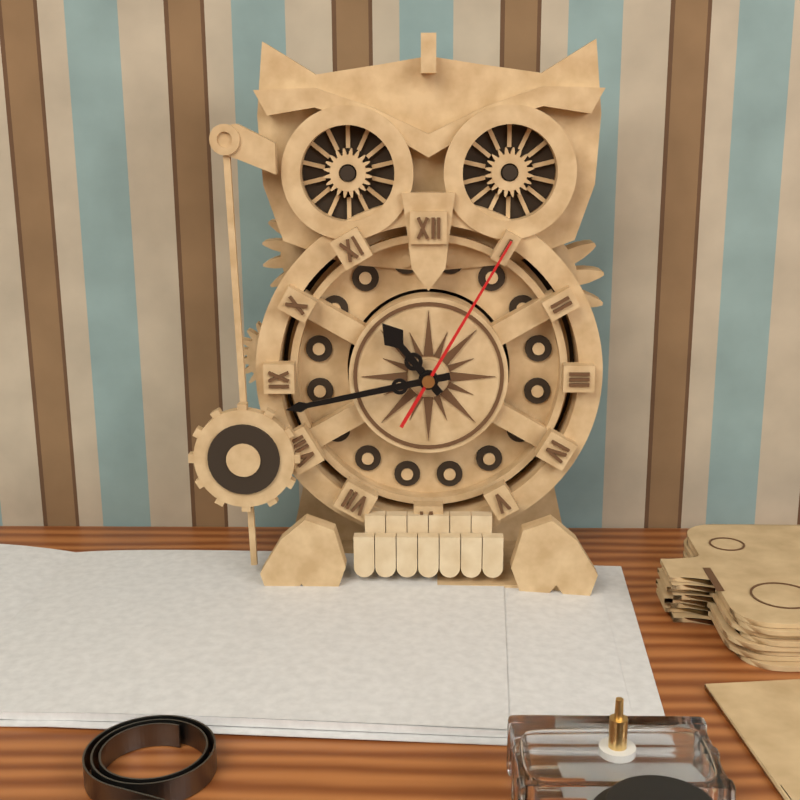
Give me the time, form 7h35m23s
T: 10h43m05s
